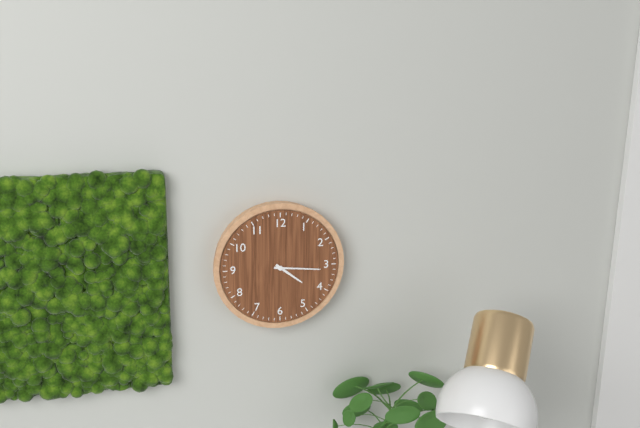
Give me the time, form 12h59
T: 4h16
